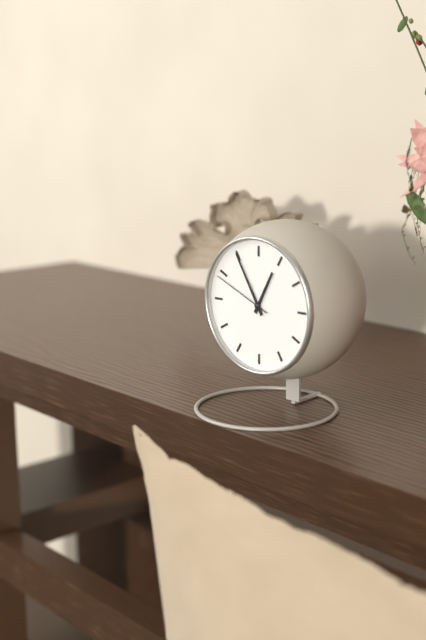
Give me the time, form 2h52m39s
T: 12h55m49s
